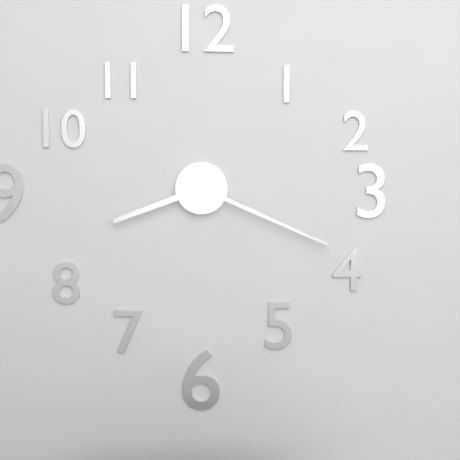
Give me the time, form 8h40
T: 8h19
